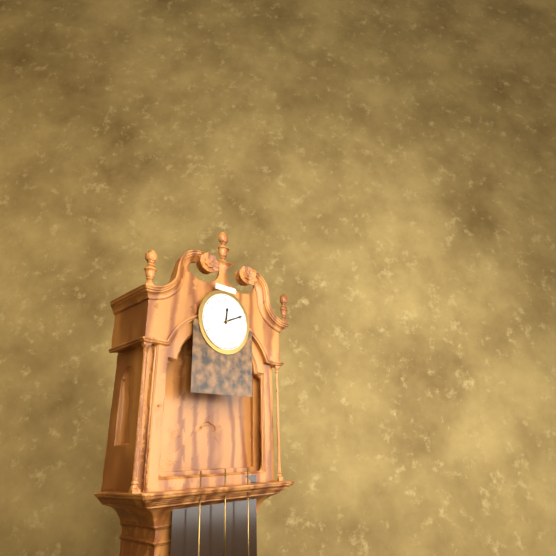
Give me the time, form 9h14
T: 12h11
